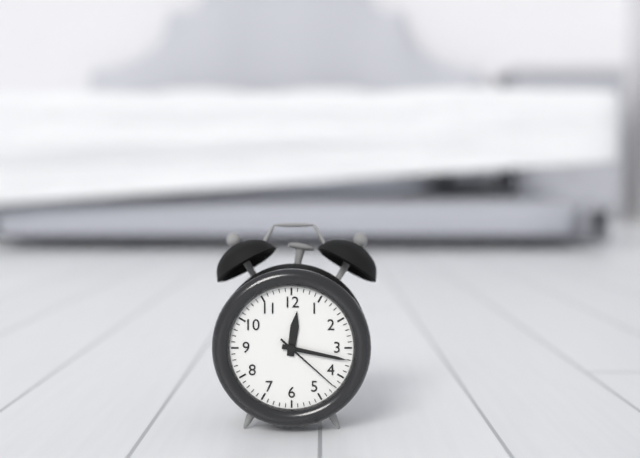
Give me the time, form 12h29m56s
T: 12h17m22s
